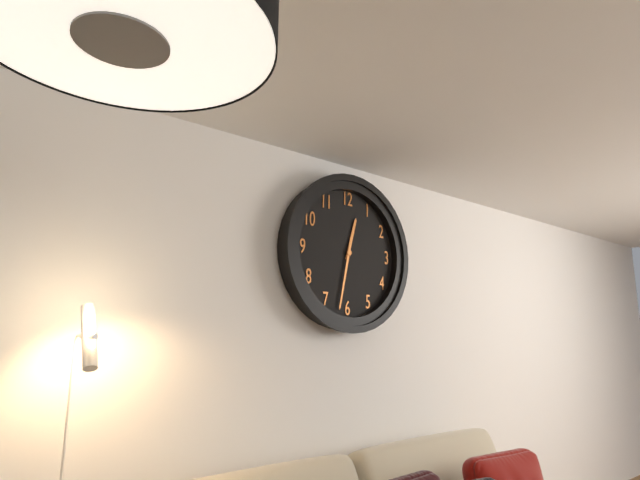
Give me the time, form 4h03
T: 12h32
